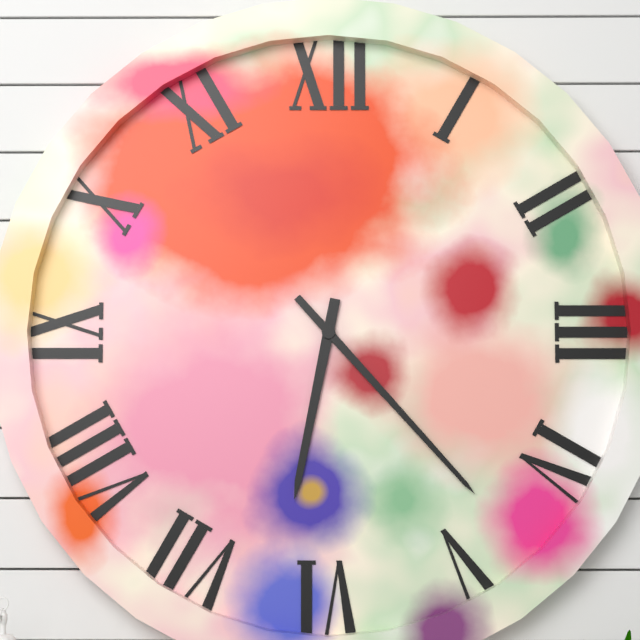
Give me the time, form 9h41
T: 6h23
